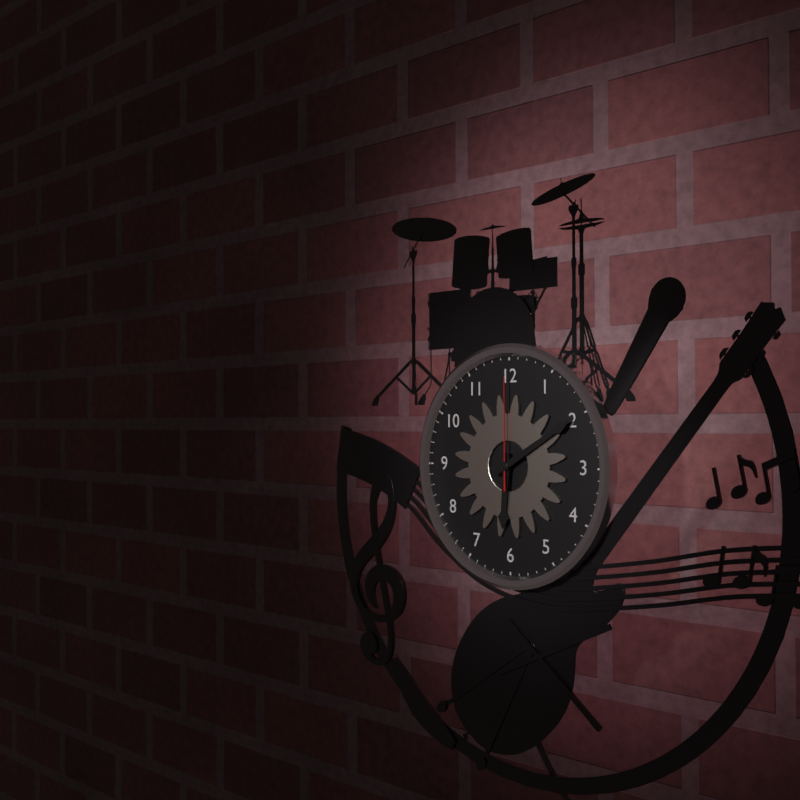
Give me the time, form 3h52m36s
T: 6h10m00s
